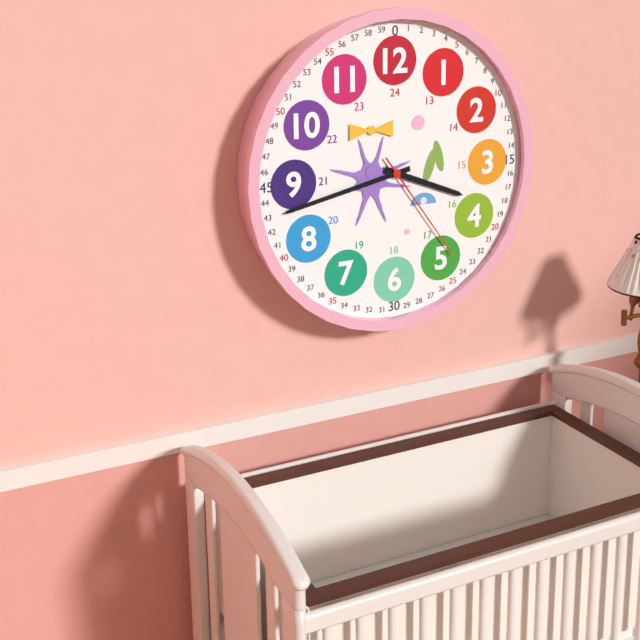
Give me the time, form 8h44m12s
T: 3h43m24s
